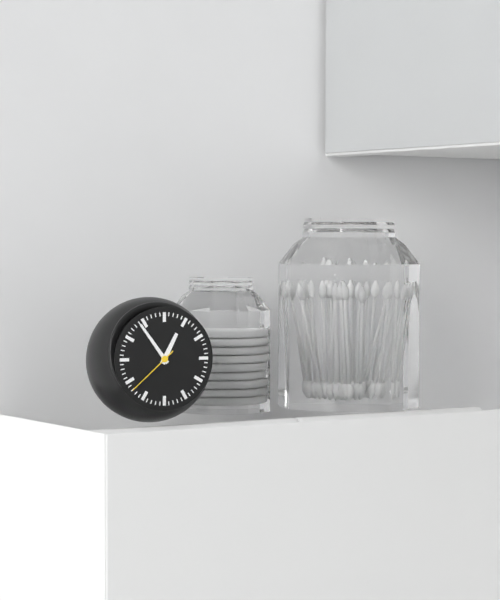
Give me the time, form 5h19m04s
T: 12h54m38s
